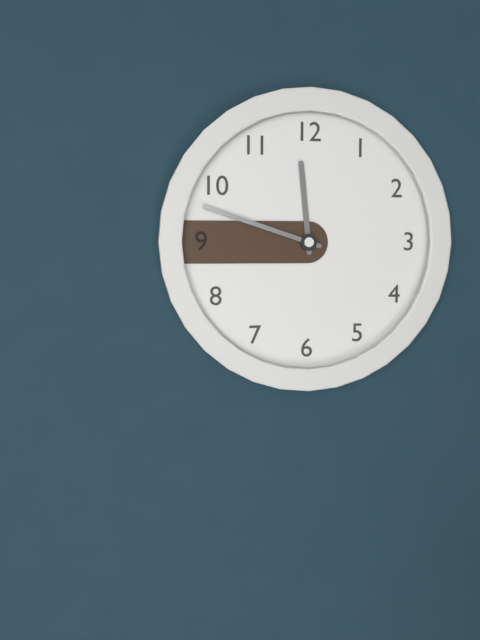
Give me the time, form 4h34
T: 11h48
